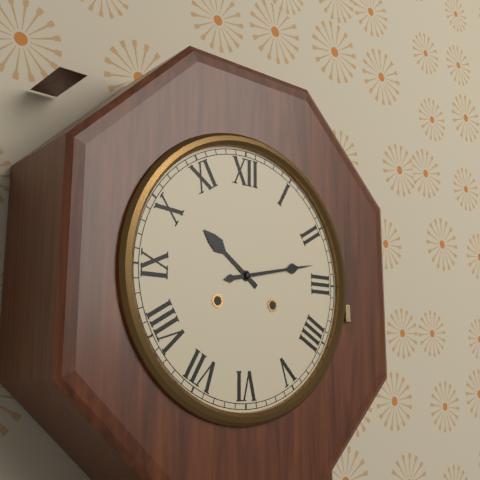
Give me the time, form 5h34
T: 10h13
